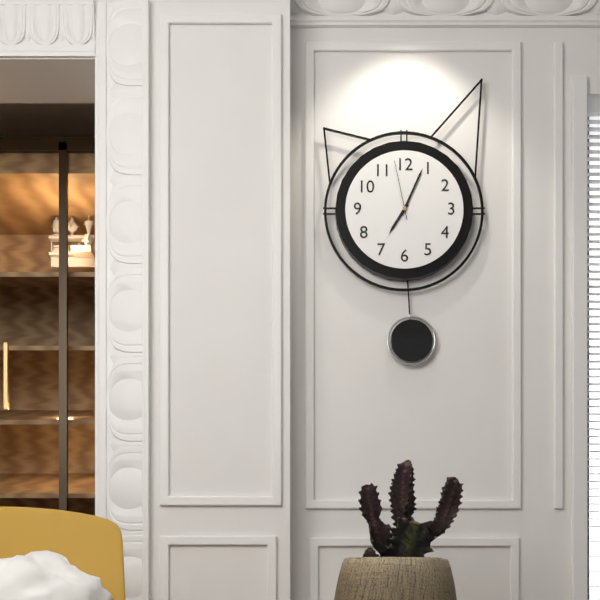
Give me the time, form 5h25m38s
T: 7h04m58s
